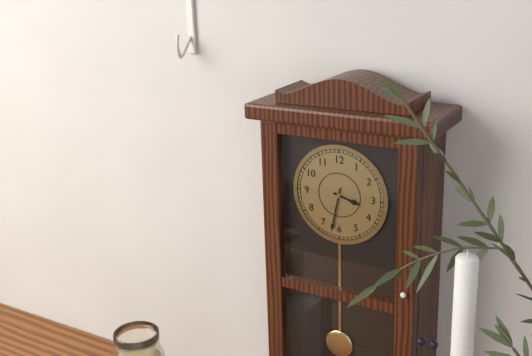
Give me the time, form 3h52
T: 3h32
